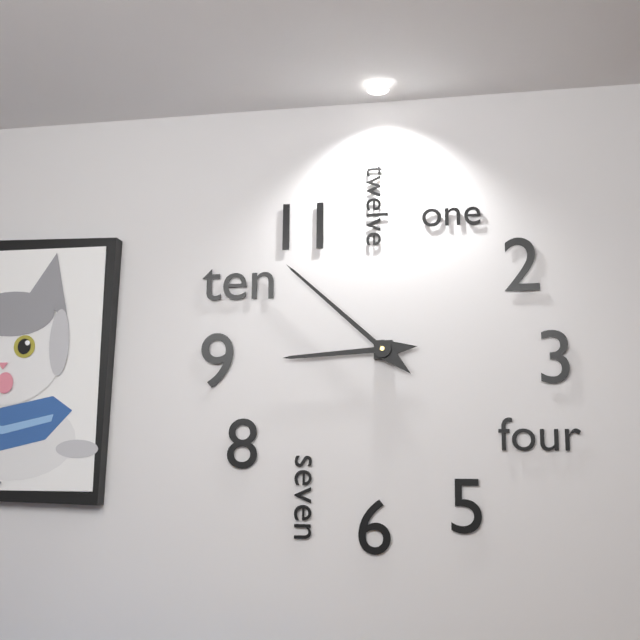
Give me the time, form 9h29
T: 8h52
